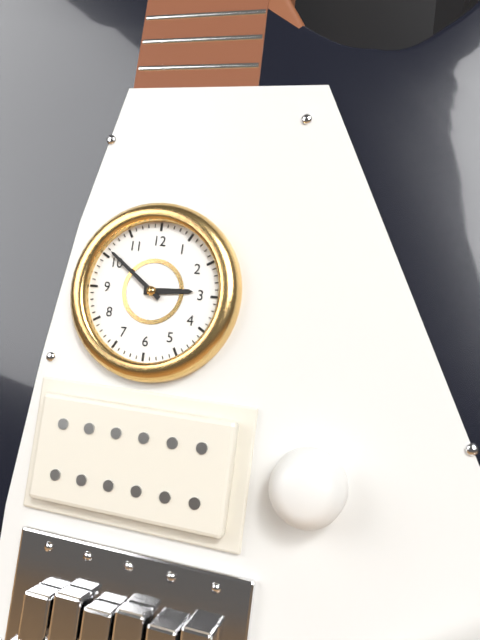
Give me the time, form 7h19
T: 2h51
